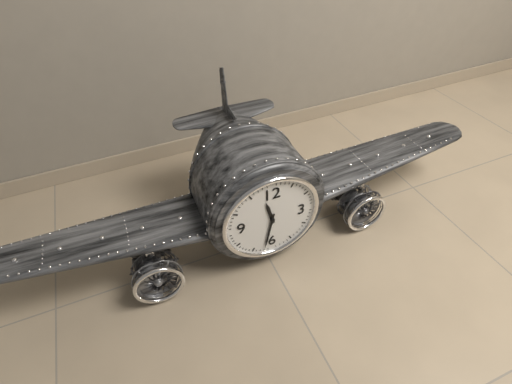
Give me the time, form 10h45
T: 11h32
